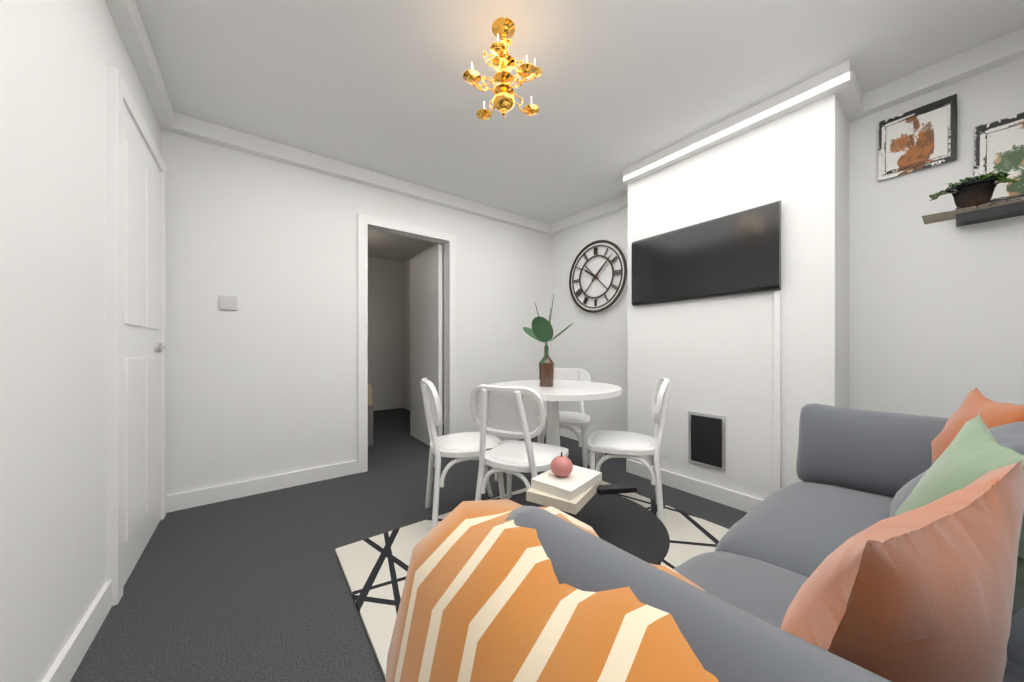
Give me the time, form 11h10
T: 10h08
